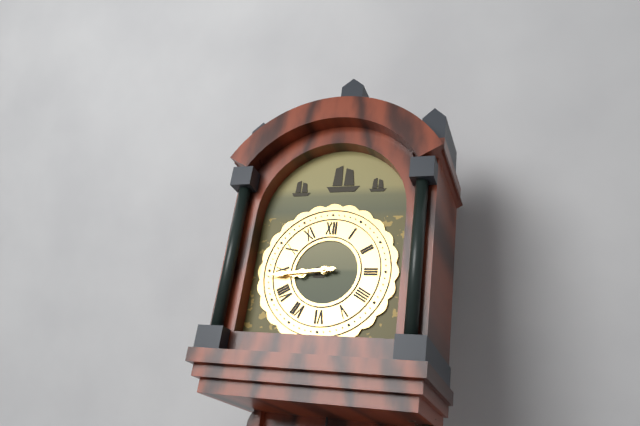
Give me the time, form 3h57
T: 8h44
